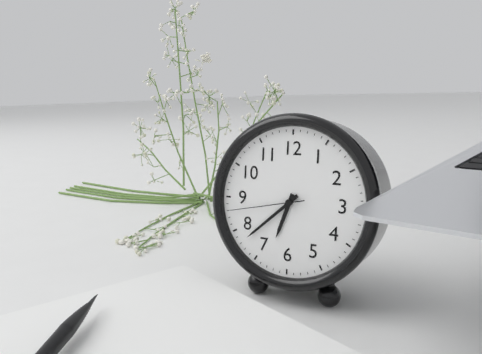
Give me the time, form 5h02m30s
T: 6h38m43s
